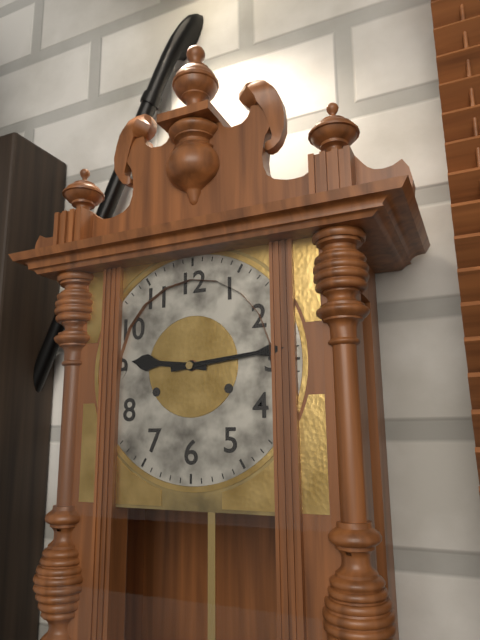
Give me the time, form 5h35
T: 9h14
